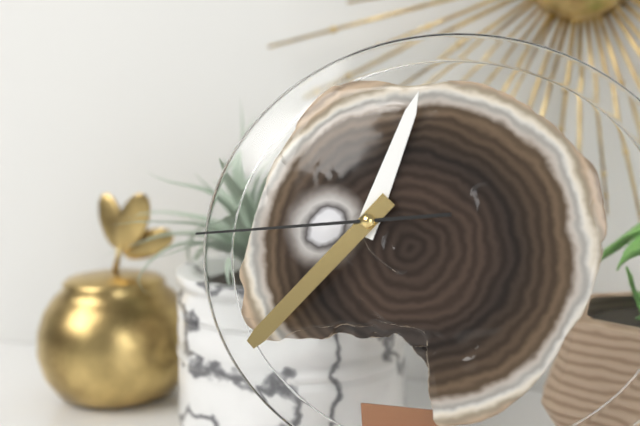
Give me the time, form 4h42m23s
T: 12h37m44s
